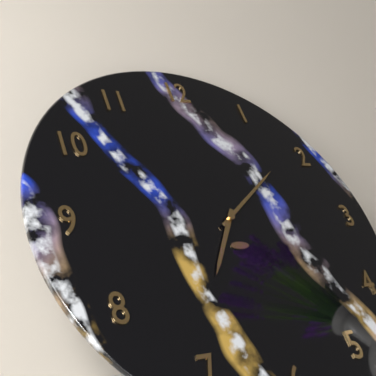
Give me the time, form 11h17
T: 7h09
